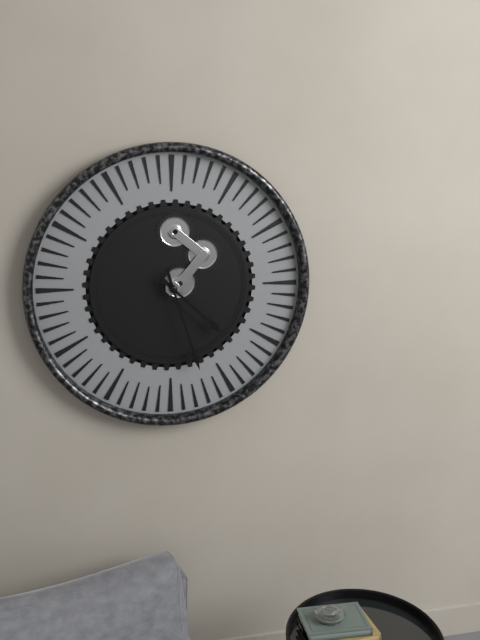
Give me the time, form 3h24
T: 4h27
